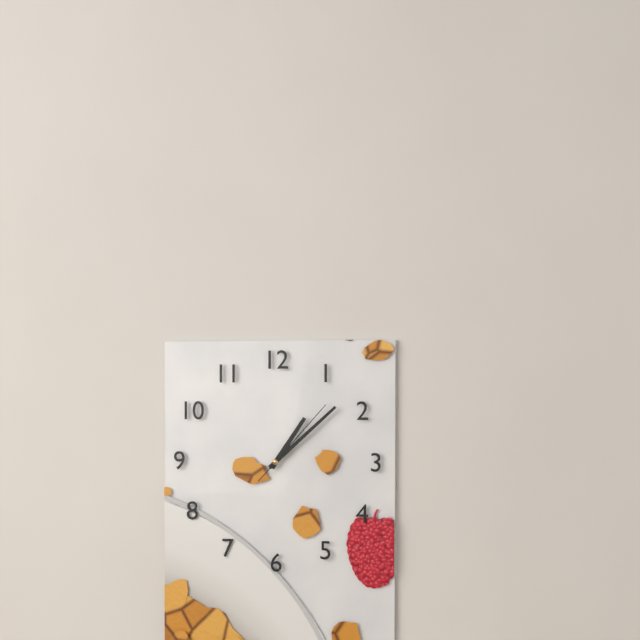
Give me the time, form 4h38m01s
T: 1h08m07s
